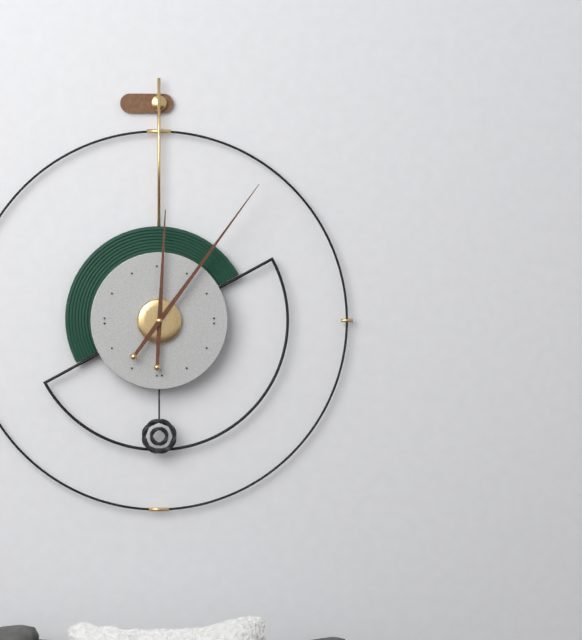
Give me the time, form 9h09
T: 12h06
